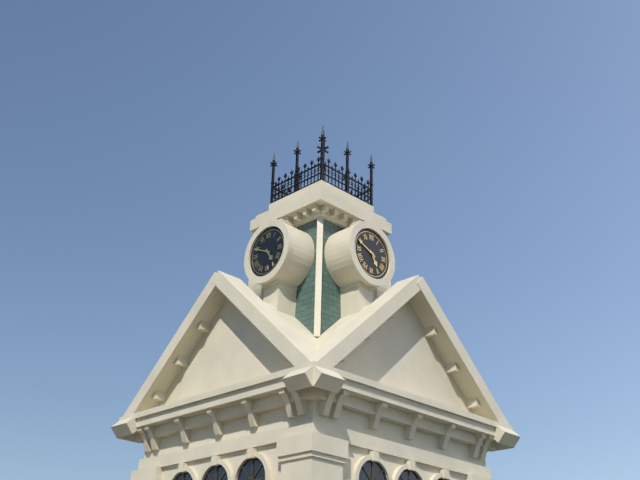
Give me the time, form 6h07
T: 4h49
